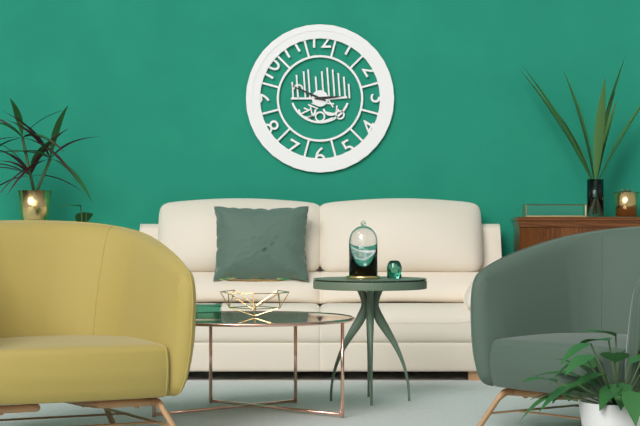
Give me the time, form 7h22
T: 2h49
